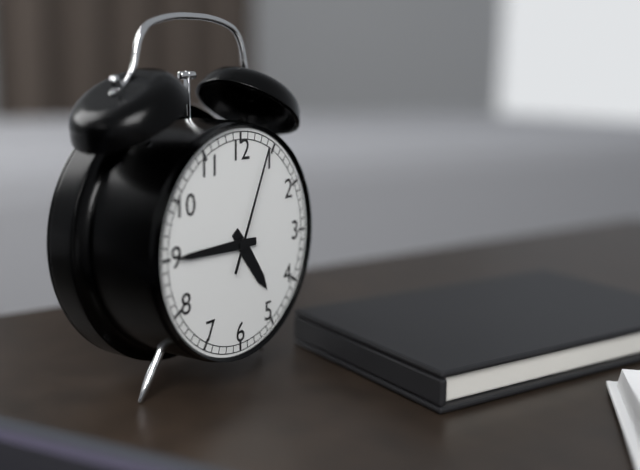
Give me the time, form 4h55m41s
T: 4h45m04s
